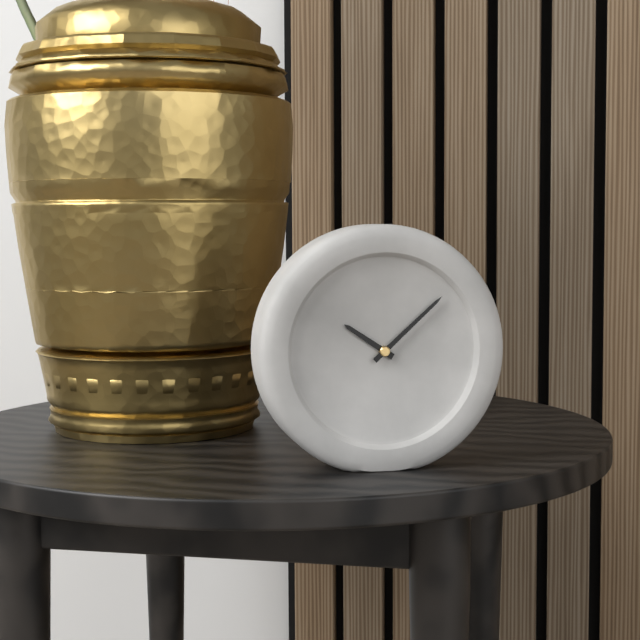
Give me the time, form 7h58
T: 10h08
